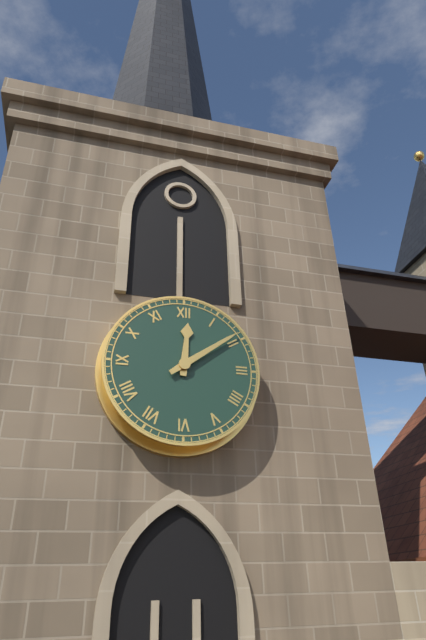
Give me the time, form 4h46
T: 12h09
